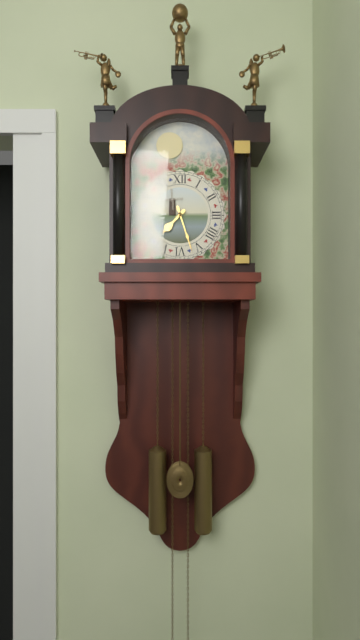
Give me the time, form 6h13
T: 7h27
